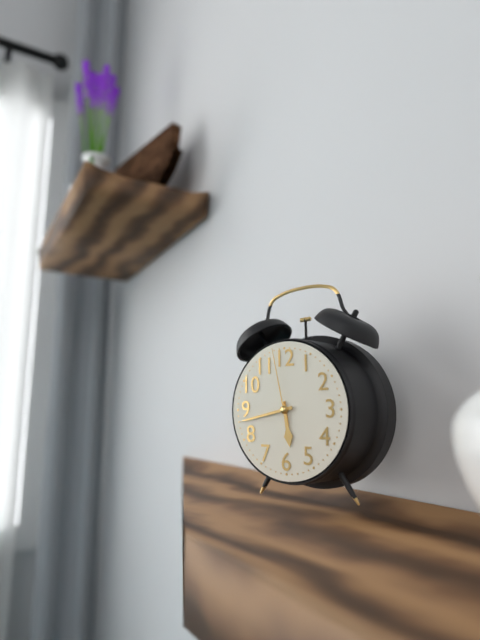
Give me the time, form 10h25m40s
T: 5h43m58s
